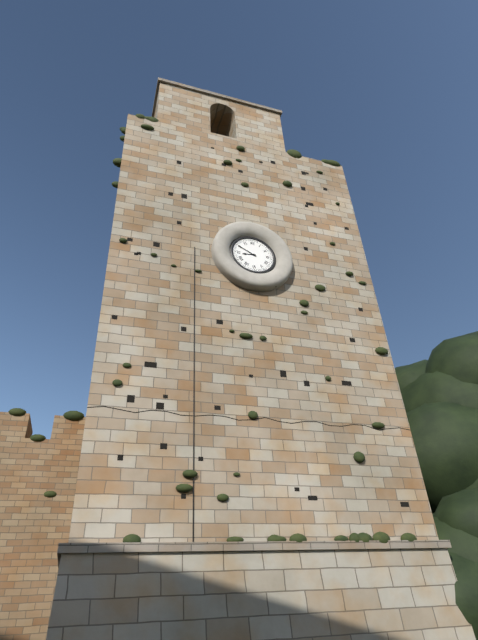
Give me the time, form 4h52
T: 8h50
